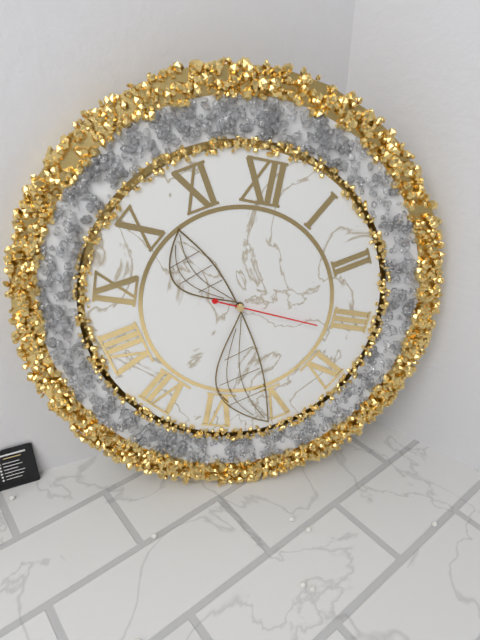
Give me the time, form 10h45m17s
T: 10h26m16s
